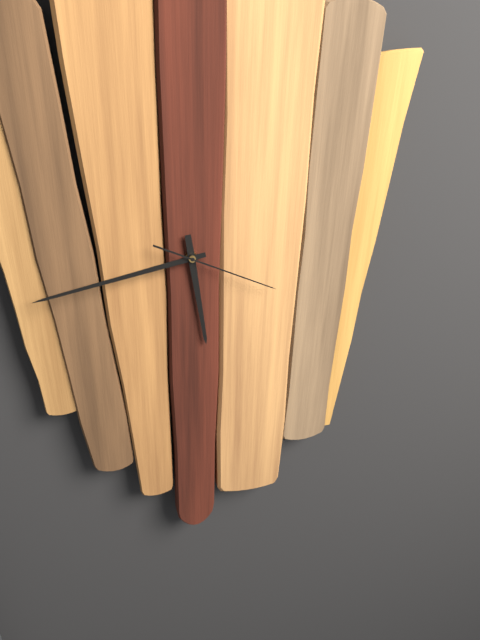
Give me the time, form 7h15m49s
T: 5h43m19s
